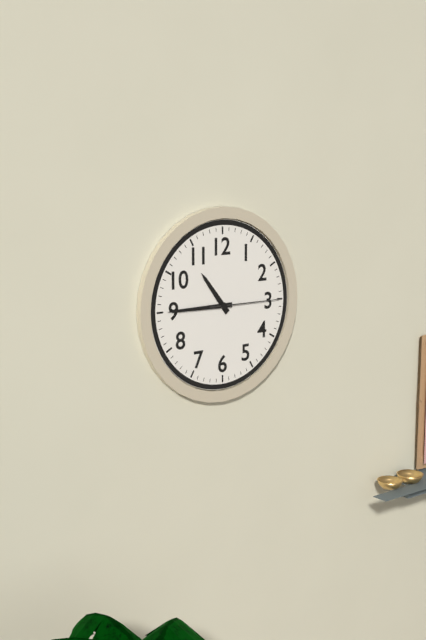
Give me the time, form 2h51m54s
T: 10h45m15s
